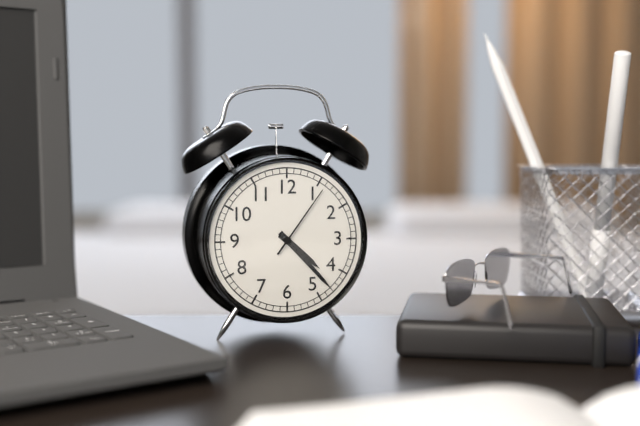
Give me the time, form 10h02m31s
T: 4h23m06s
